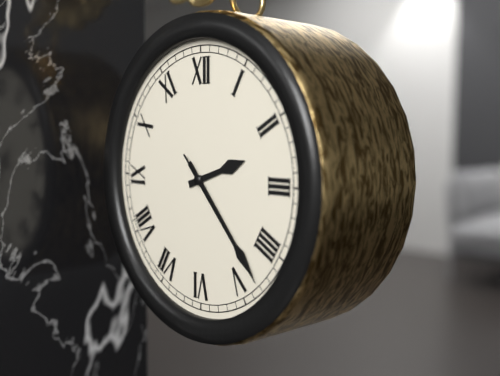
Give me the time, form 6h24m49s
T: 2h23m23s
